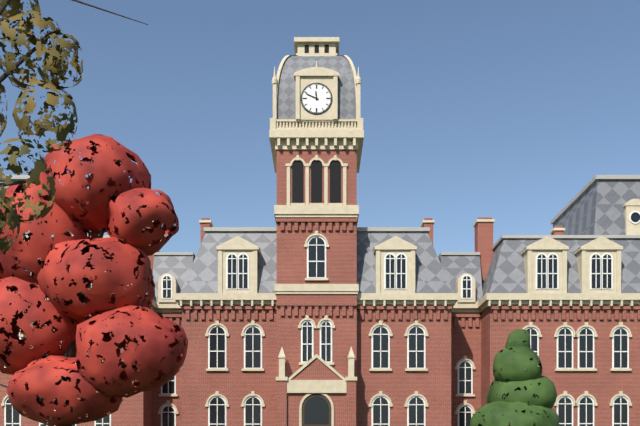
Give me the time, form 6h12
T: 11h49
